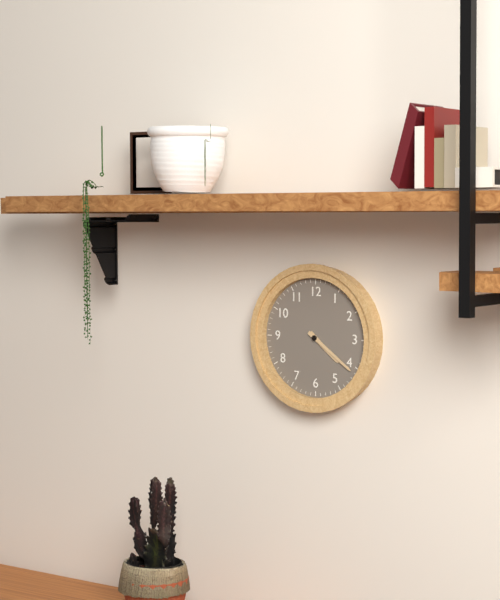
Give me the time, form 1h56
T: 4h21
